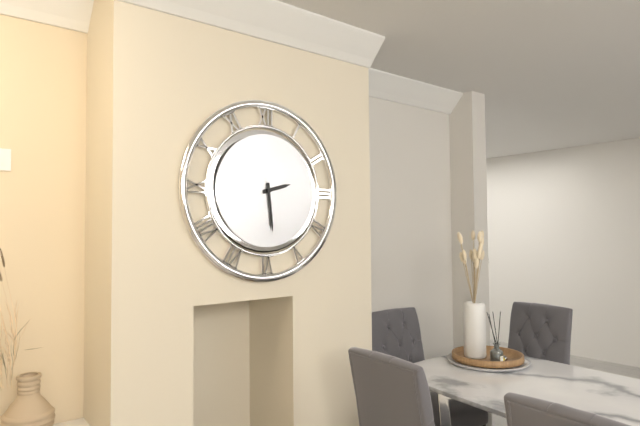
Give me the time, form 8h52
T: 2h29
